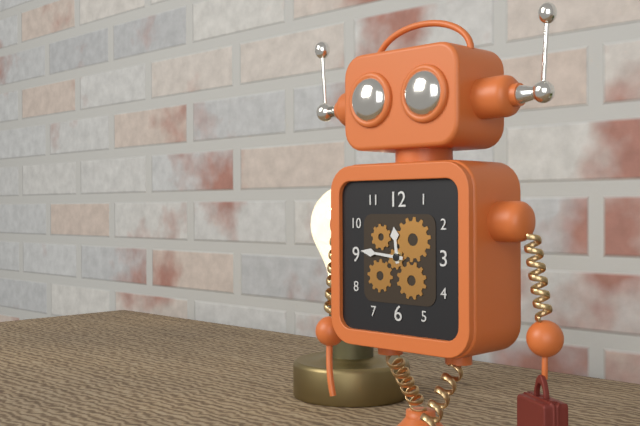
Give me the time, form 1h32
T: 11h46
